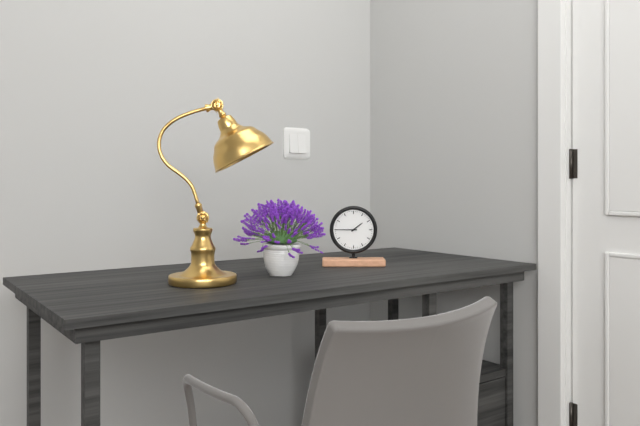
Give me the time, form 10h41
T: 1h45
